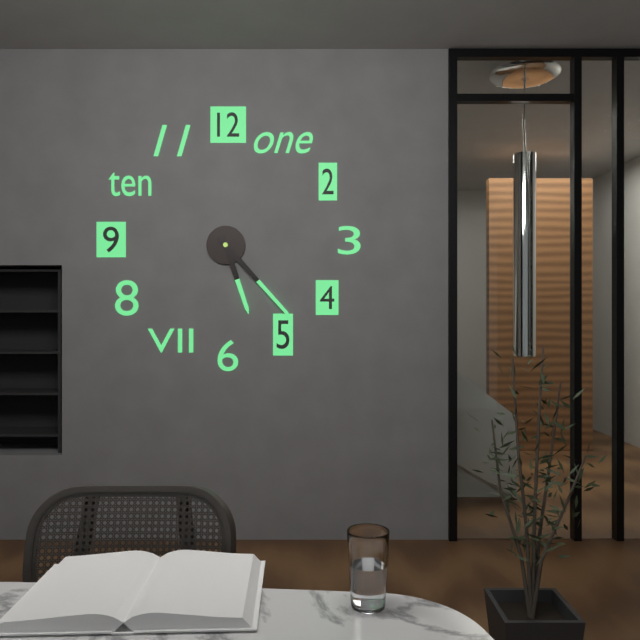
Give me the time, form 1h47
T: 5h23
